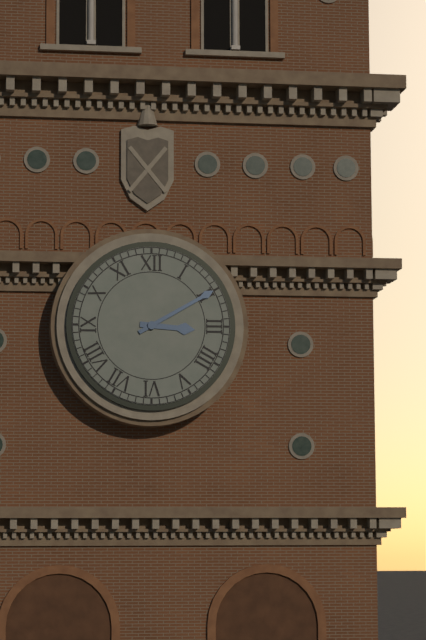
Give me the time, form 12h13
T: 3h10
